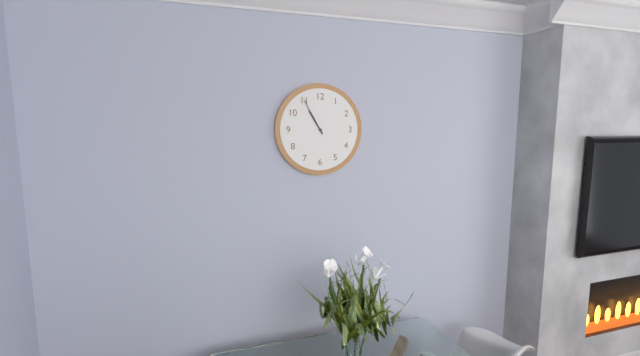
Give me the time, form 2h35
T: 10h55
